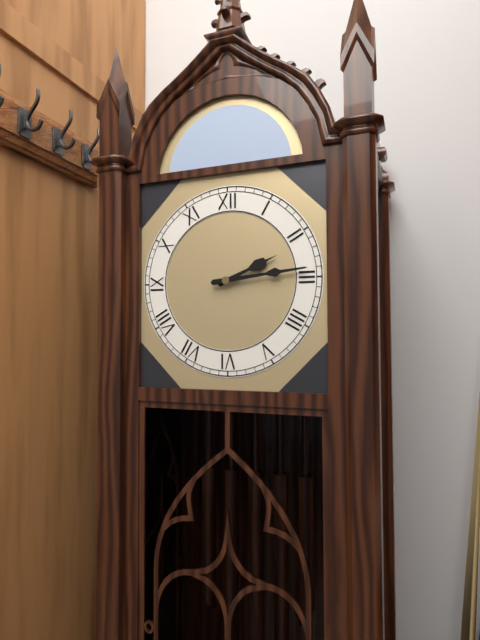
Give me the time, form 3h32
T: 2h14
